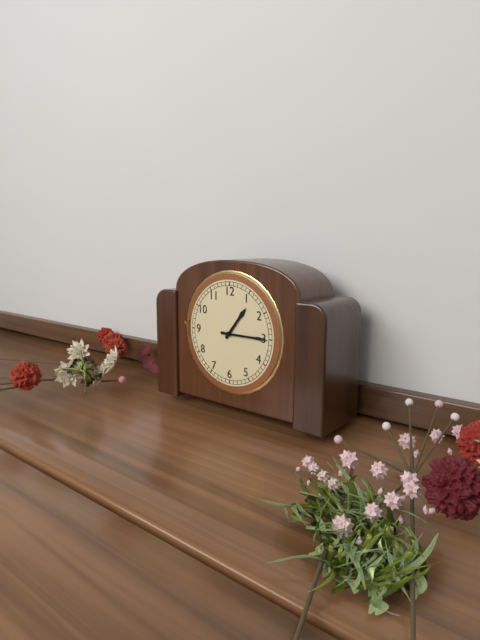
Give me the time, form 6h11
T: 1h15
